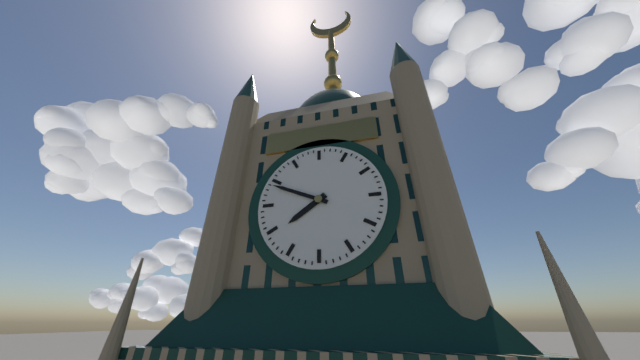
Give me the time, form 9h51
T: 7h49
